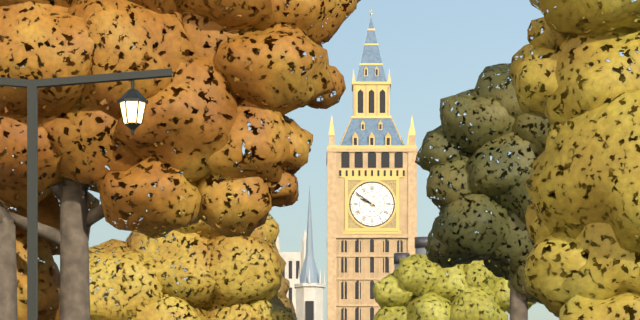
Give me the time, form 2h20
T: 9h51
